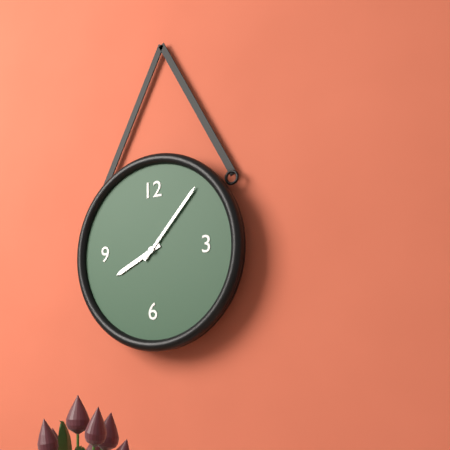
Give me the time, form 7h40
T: 8h07
